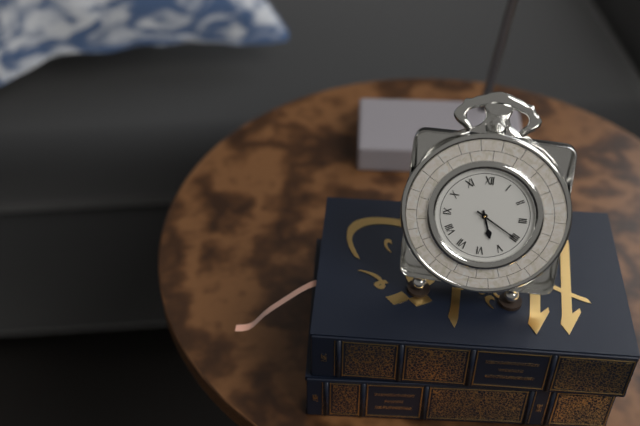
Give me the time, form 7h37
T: 5h20
